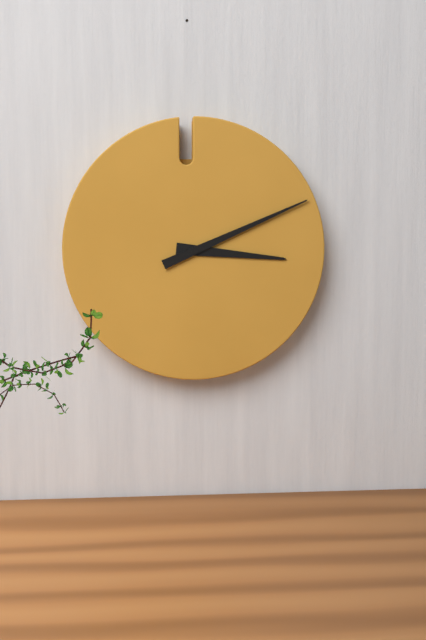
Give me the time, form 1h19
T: 3h11
